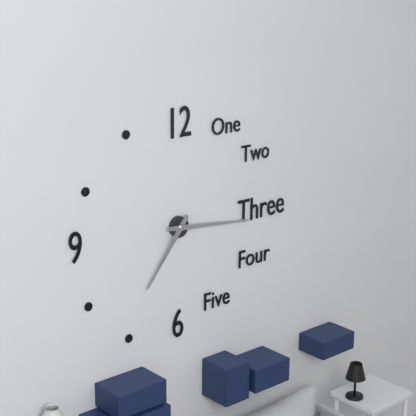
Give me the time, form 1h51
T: 7h16
